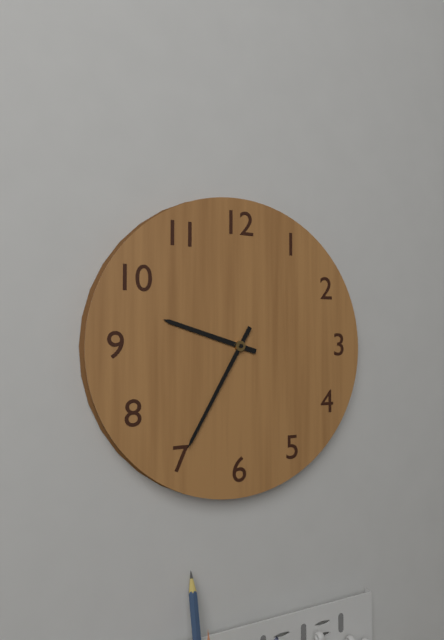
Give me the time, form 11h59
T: 9h35
